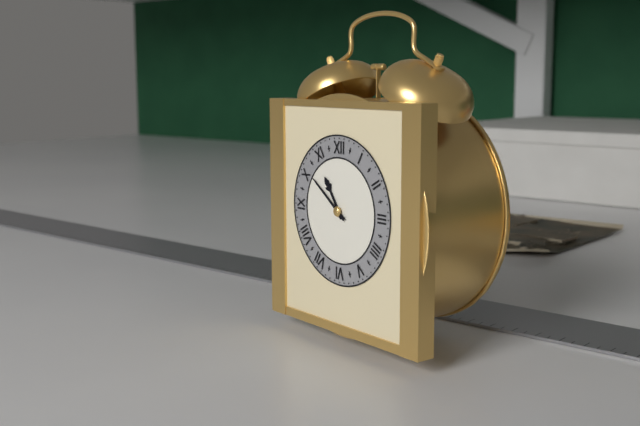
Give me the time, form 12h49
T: 10h51
